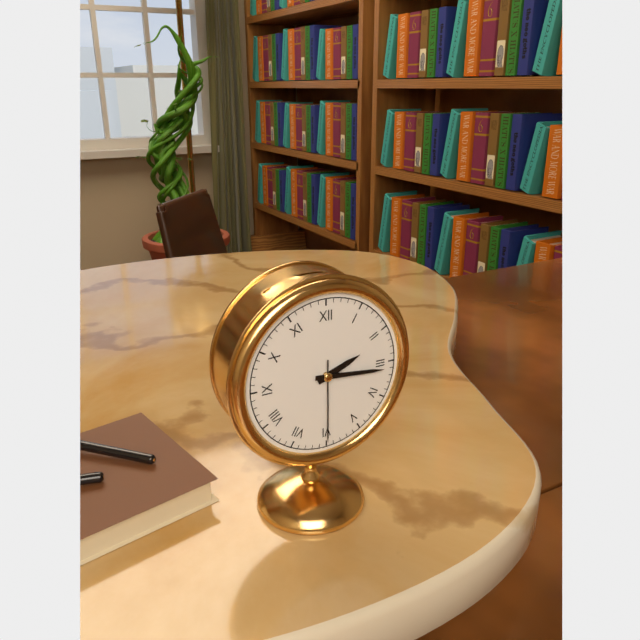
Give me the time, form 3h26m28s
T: 2h16m30s
